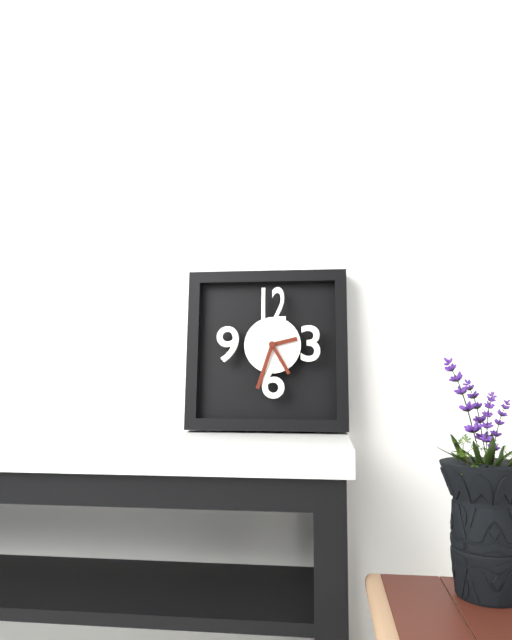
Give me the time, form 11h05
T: 2h33
